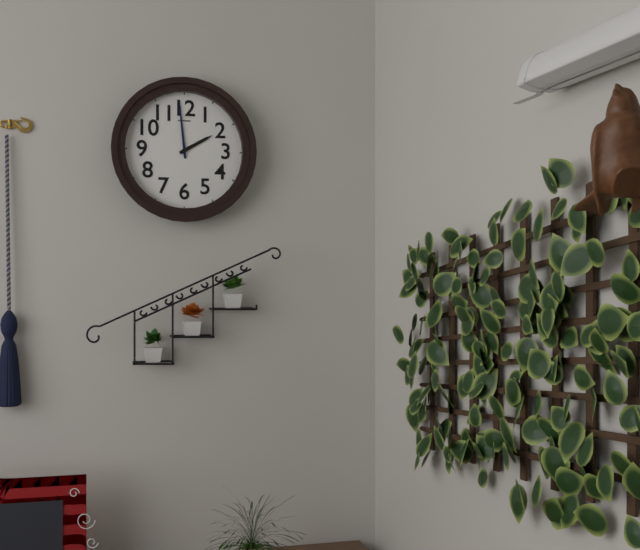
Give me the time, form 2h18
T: 1h59
